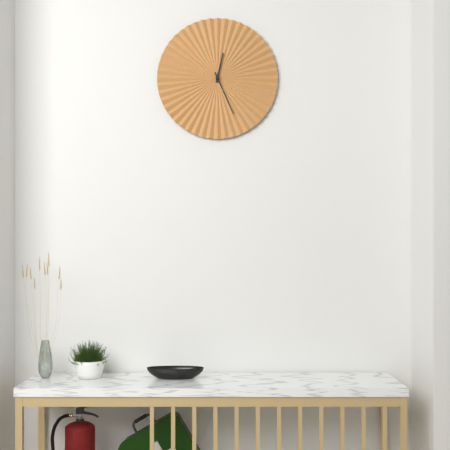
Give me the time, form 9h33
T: 12h26
